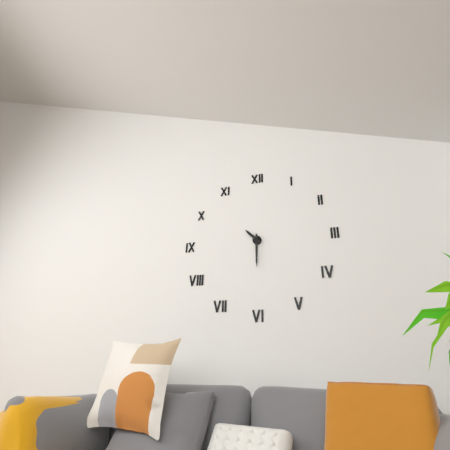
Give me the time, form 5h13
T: 10h30
